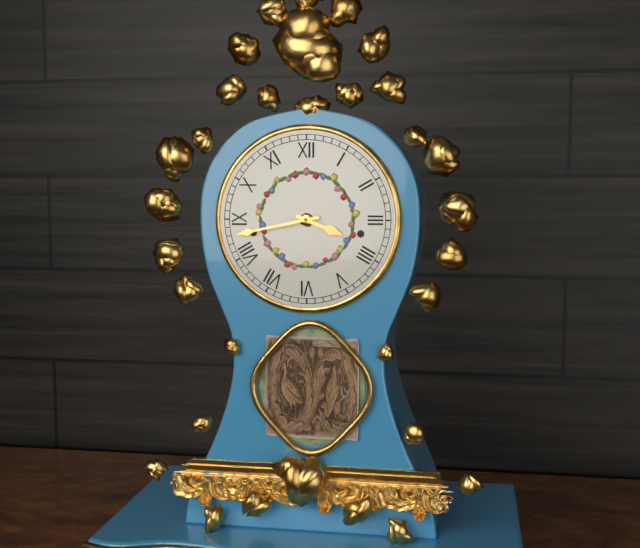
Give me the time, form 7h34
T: 3h43
